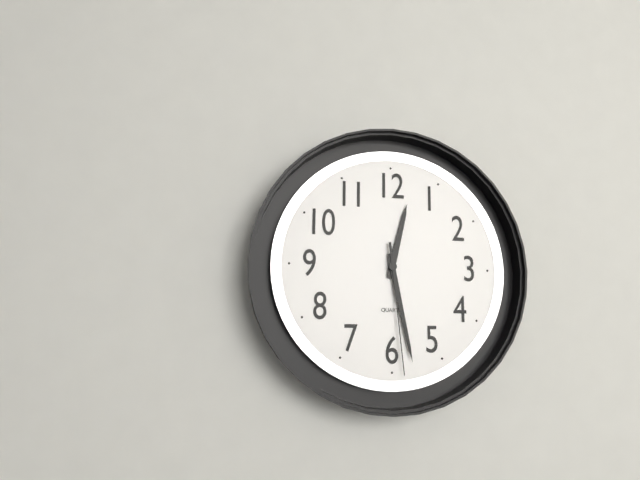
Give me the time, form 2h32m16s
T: 12h28m29s
